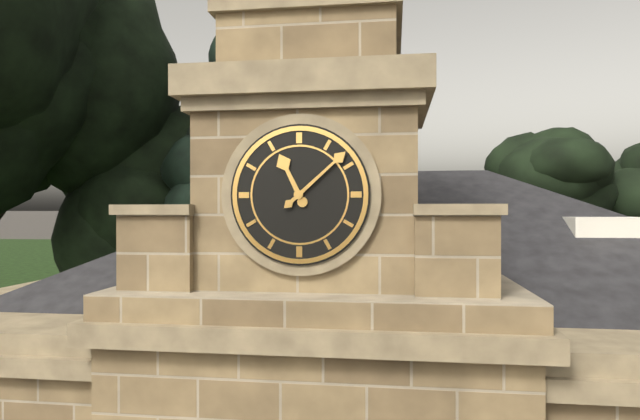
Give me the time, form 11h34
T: 11h08
